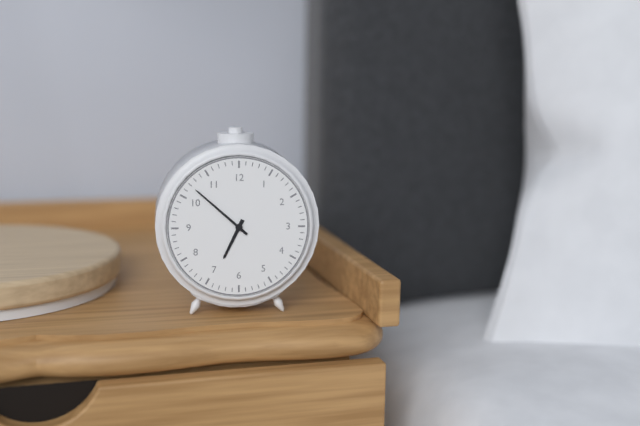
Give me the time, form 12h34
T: 6h52
